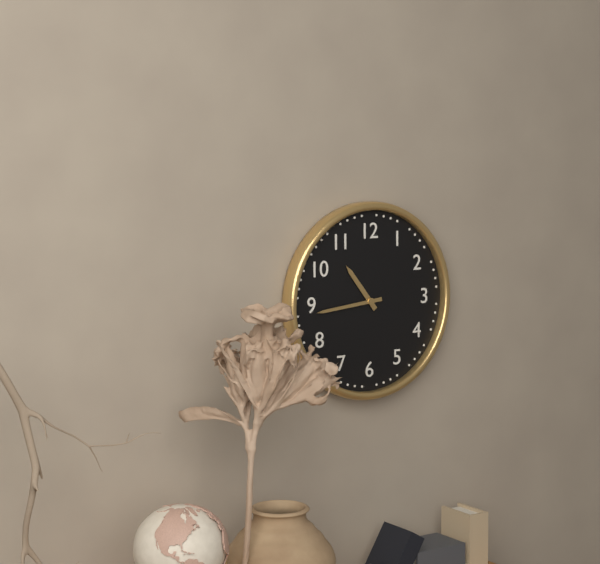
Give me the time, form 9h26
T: 10h44
